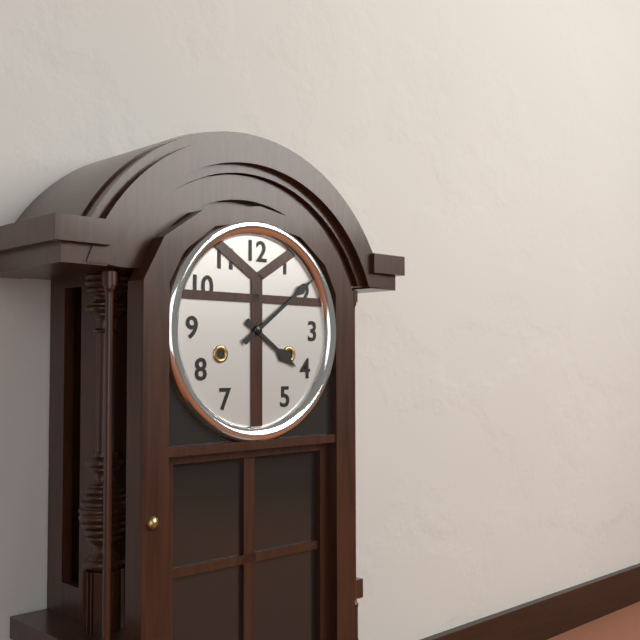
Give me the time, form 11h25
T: 4h09
